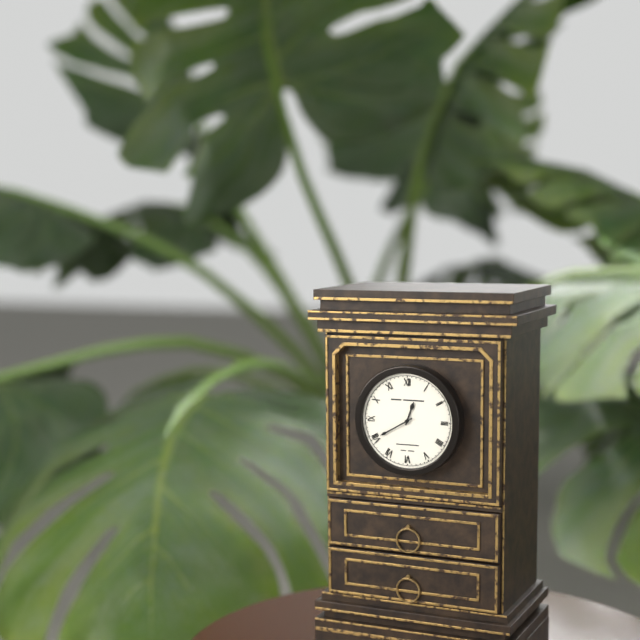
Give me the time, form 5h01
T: 12h40
